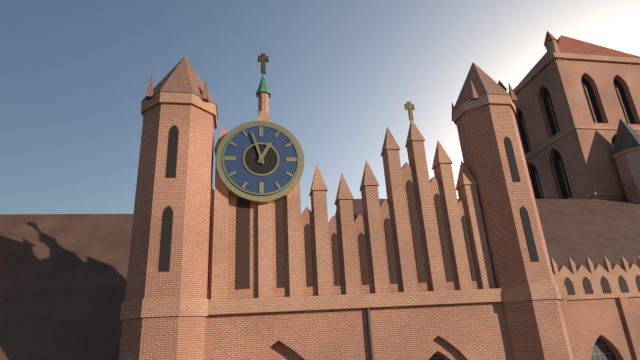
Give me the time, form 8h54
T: 12h57
